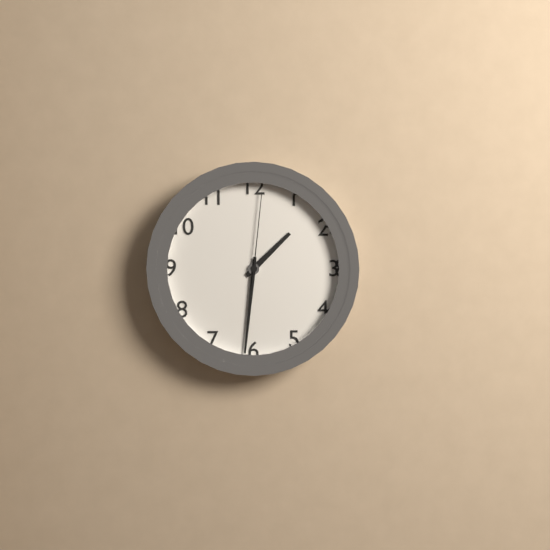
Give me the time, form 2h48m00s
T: 1h31m01s
